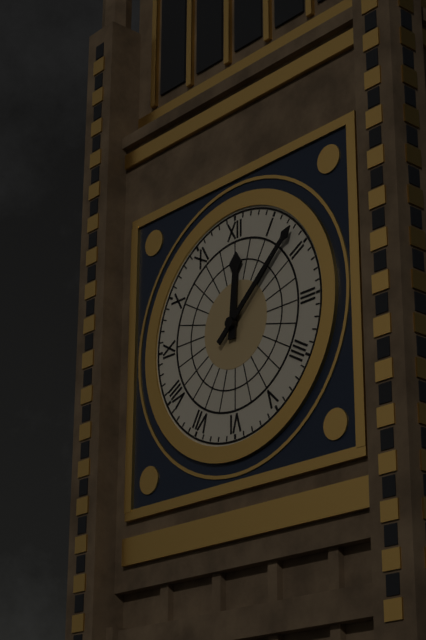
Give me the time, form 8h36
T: 12h08
